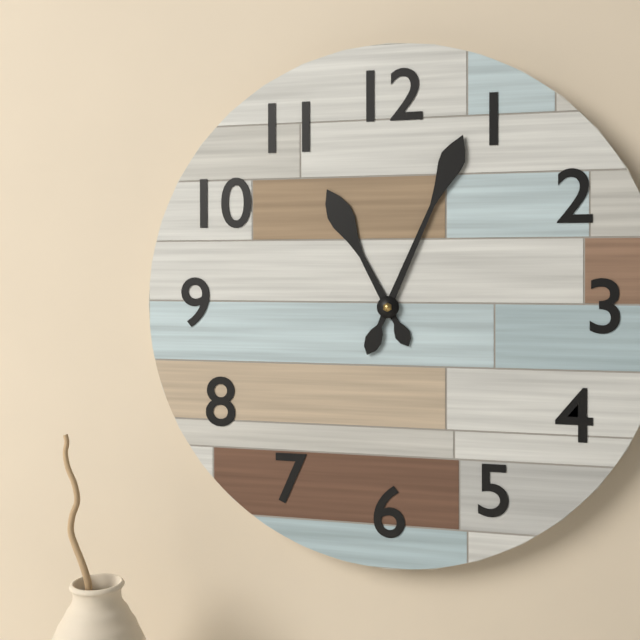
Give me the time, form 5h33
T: 11h04
